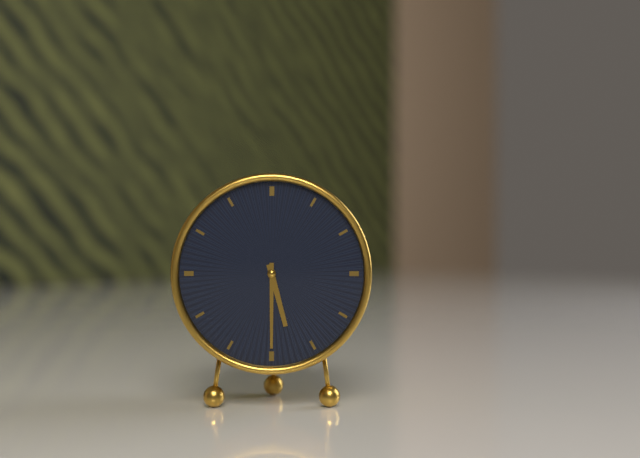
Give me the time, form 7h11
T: 5h30
